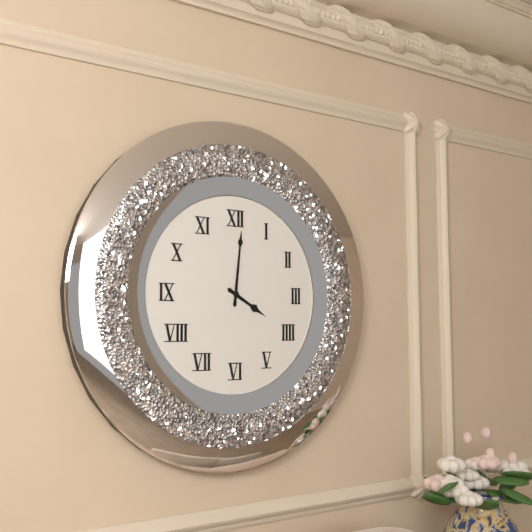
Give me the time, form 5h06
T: 4h01
